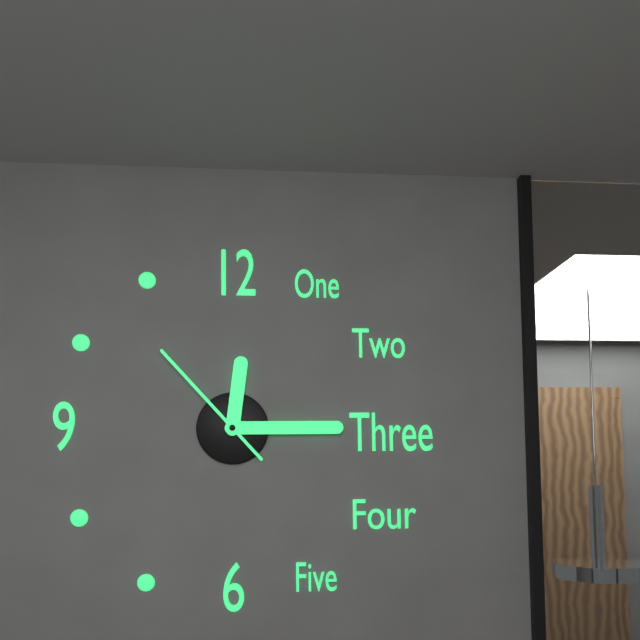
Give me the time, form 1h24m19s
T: 12h15m53s
